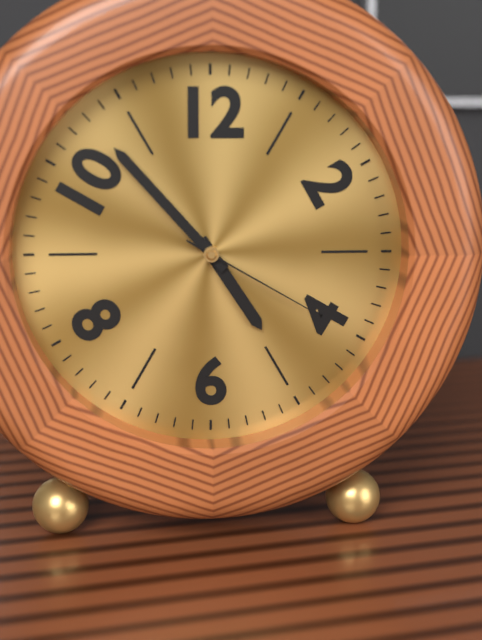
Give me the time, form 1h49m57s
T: 4h53m20s
